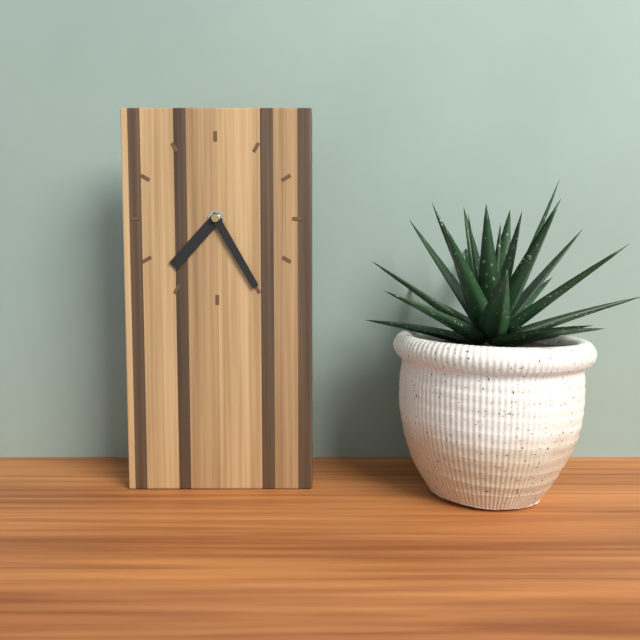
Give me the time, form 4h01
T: 7h25
